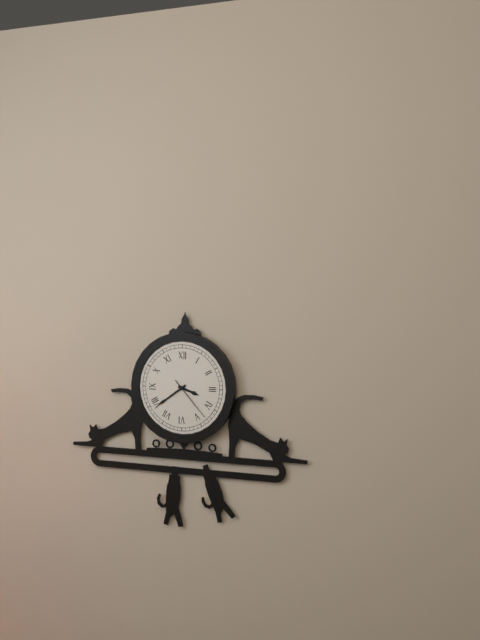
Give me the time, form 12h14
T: 3h39
